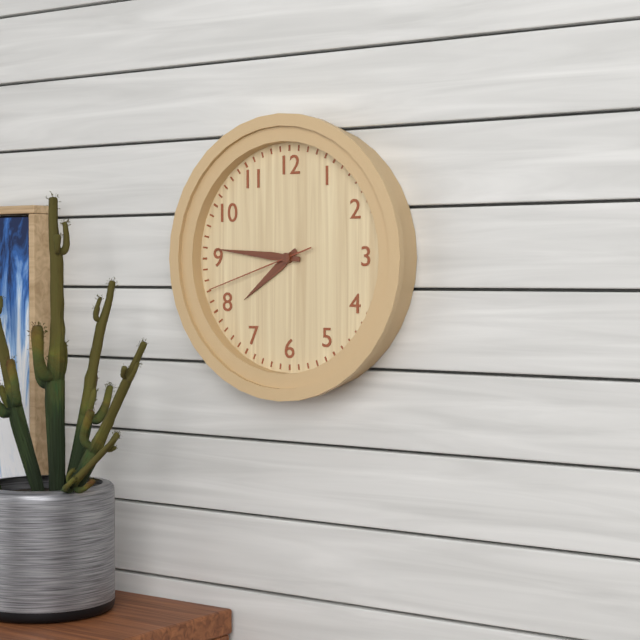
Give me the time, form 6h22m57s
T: 7h46m42s
